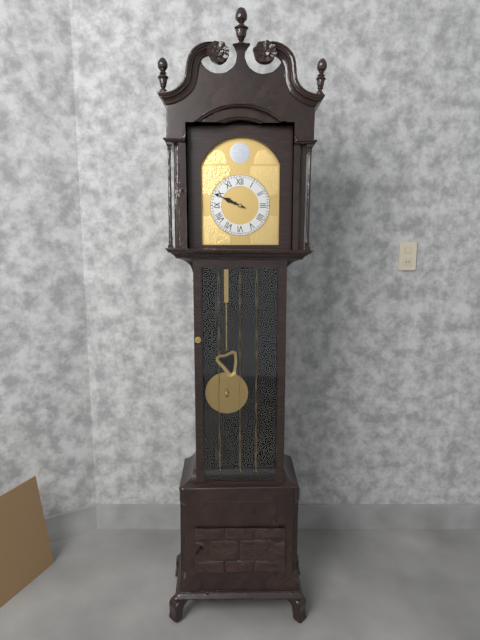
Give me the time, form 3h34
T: 9h49
